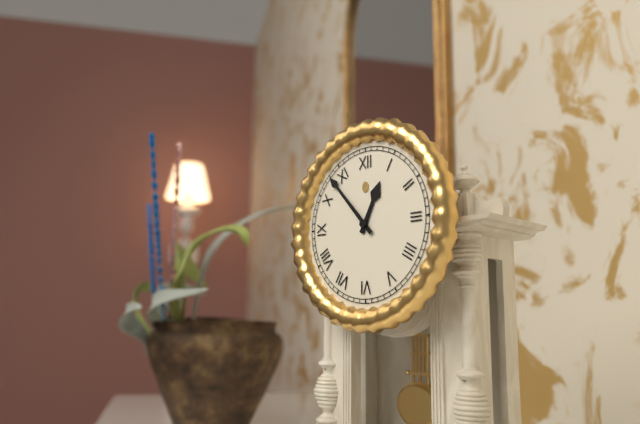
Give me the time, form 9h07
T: 12h53
